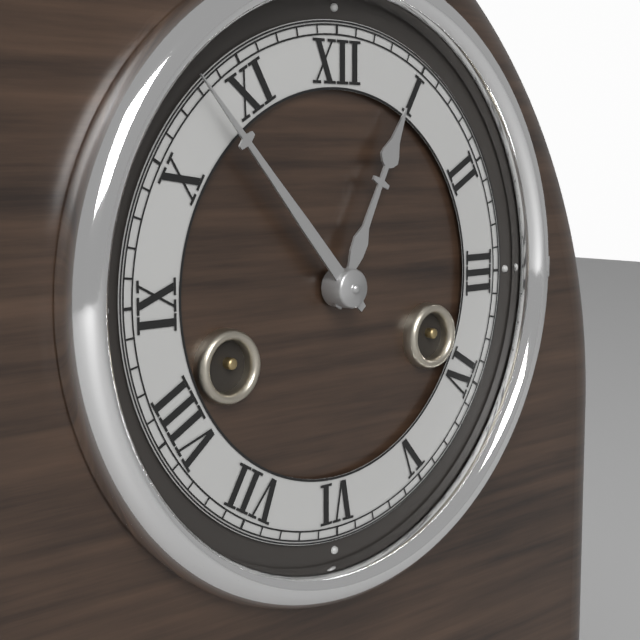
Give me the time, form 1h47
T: 12h53
